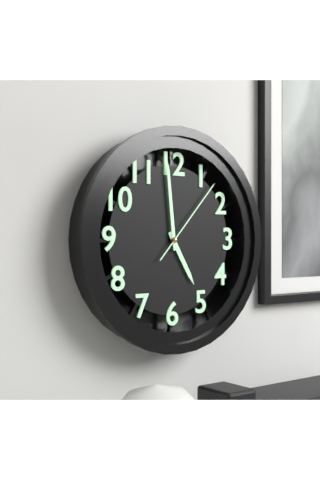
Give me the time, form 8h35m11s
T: 4h59m07s
